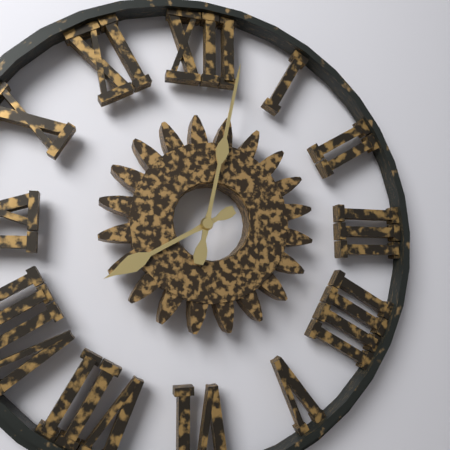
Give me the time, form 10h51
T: 8h02
